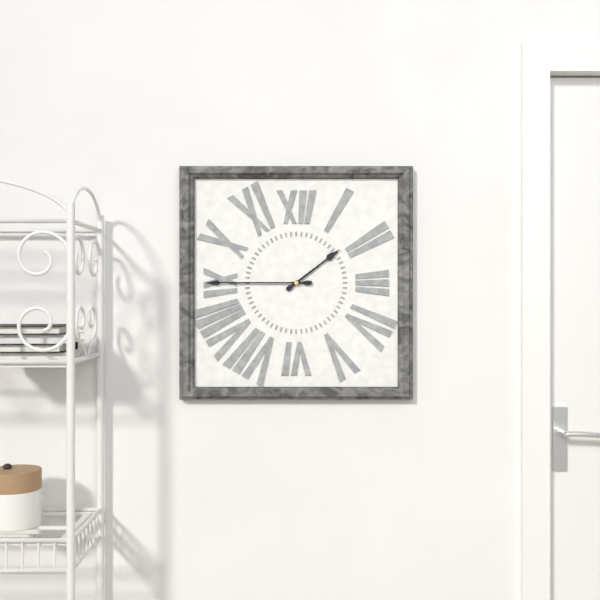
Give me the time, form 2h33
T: 1h45
